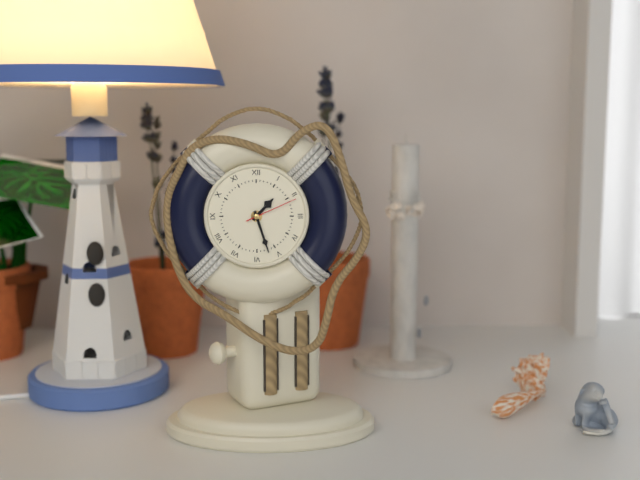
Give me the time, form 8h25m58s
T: 1h27m11s
